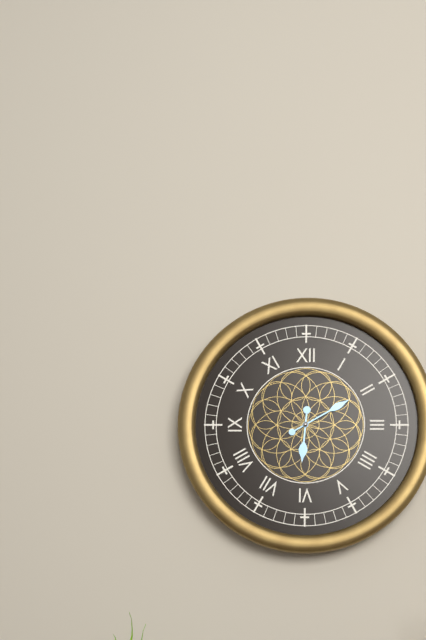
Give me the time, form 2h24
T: 6h10
